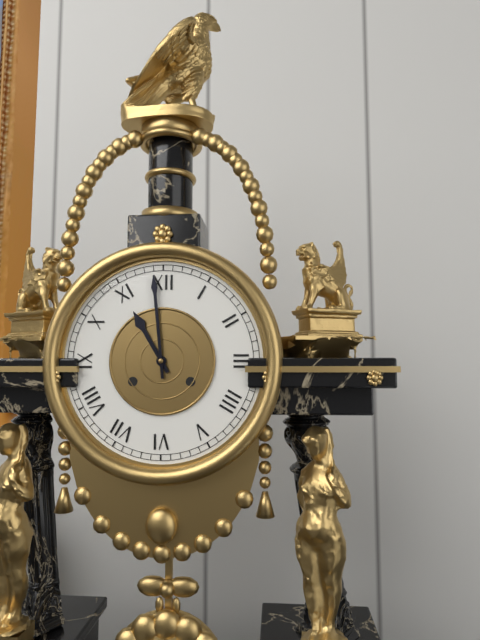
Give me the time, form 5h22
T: 10h59
